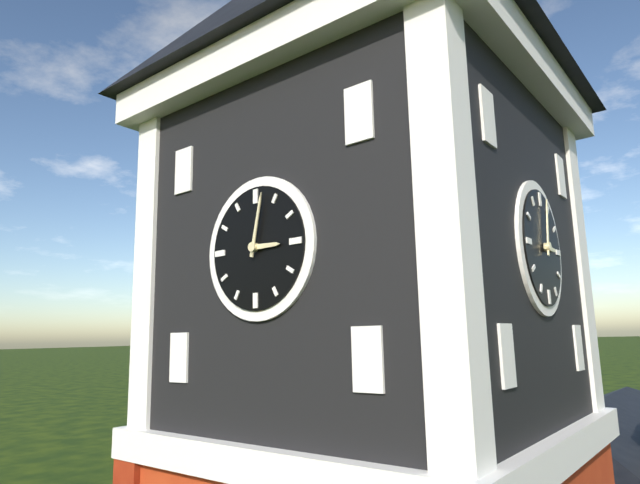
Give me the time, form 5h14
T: 3h02
